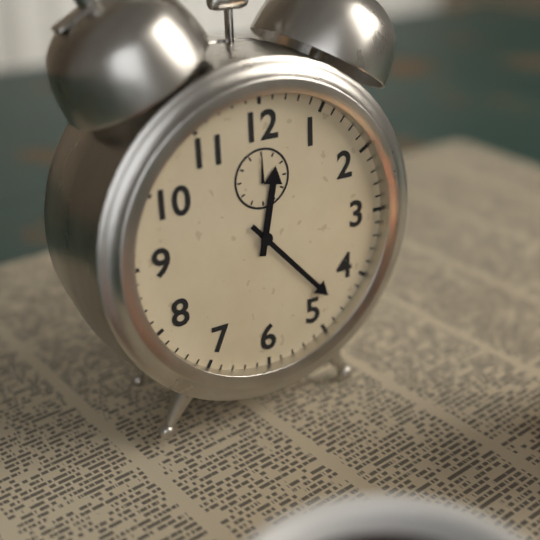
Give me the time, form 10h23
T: 12h23
